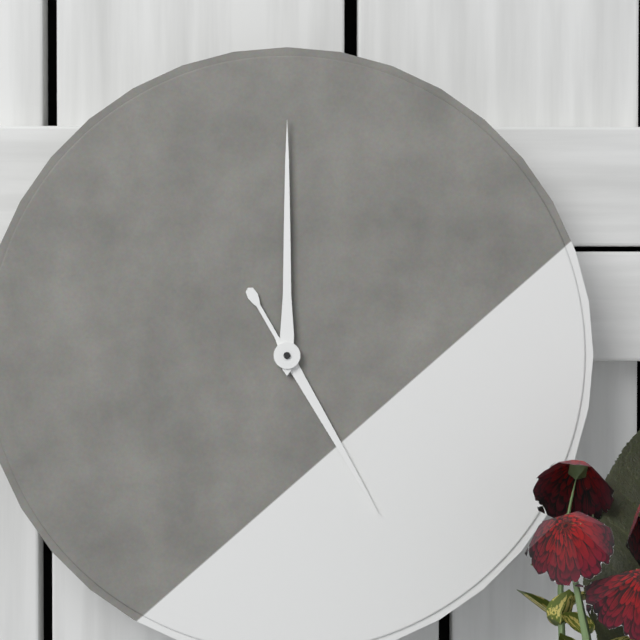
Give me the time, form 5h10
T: 5h00
